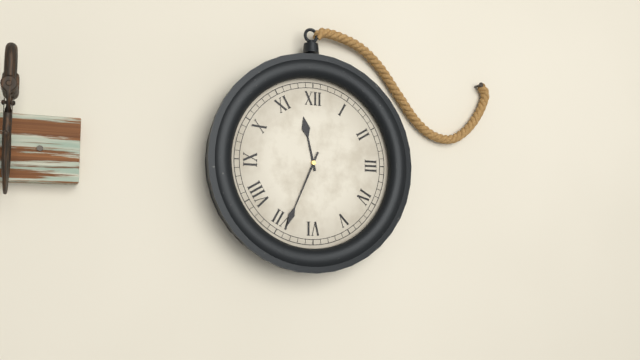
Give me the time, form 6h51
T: 11h34
